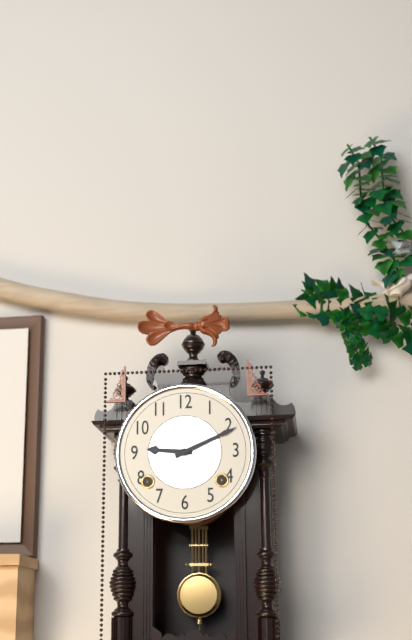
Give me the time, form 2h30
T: 9h11
